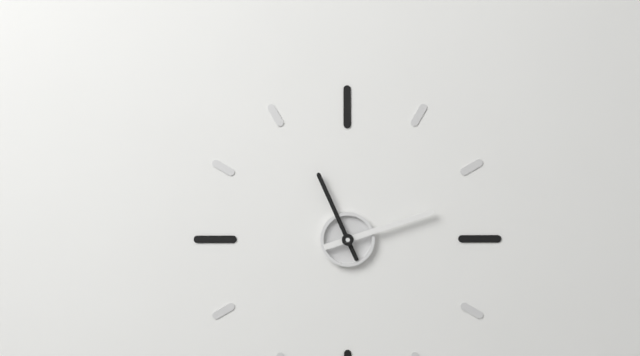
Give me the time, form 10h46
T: 11h12
